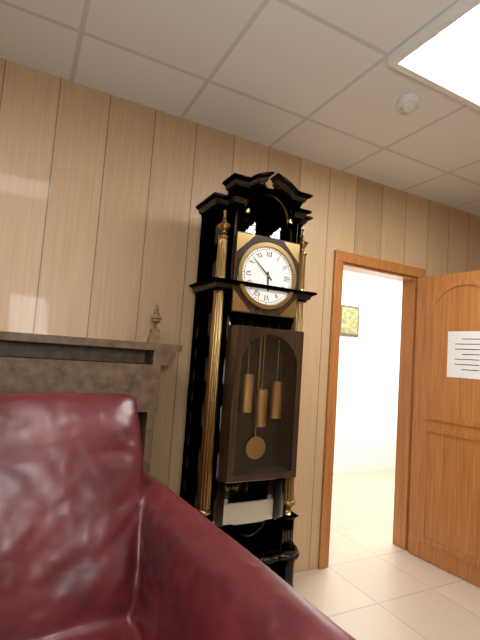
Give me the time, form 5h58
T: 5h52
